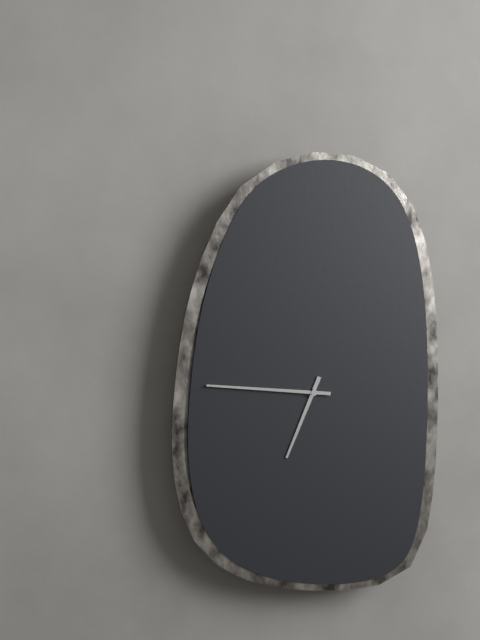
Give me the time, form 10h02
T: 6h46
